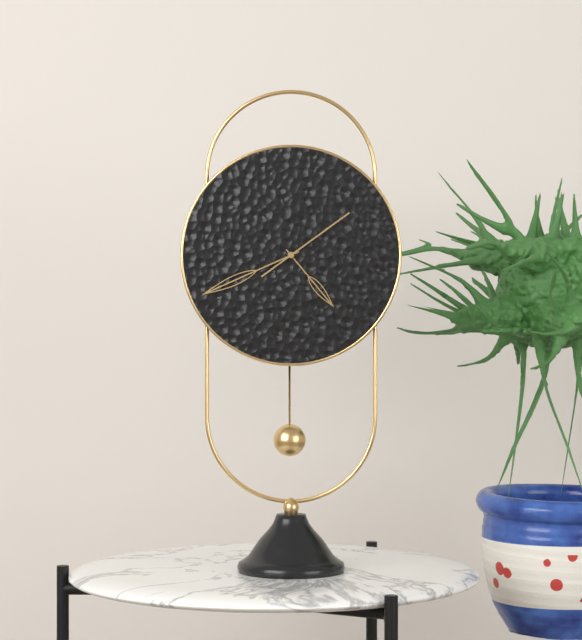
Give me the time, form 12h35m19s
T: 4h41m09s
